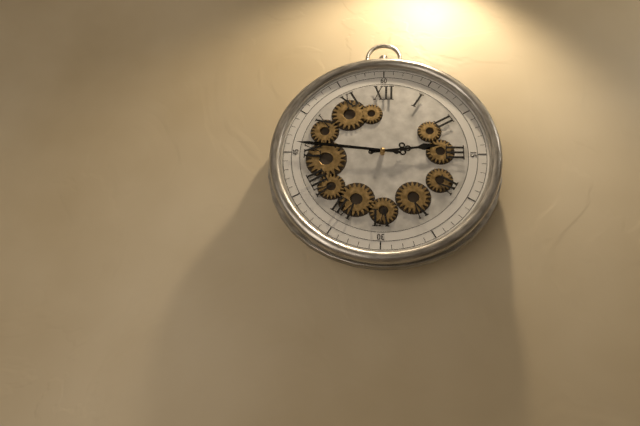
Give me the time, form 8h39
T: 2h46
